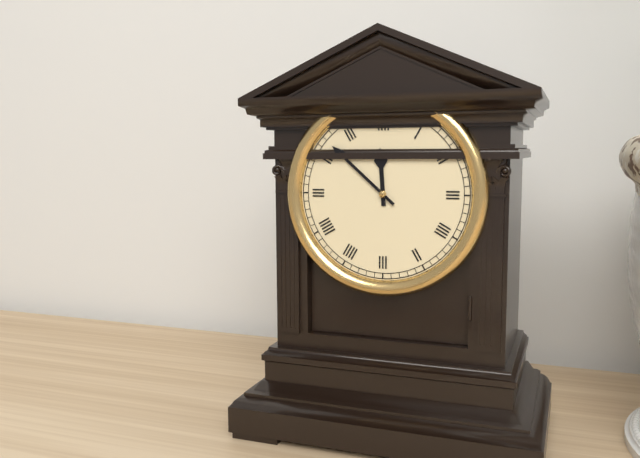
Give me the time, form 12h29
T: 11h52
